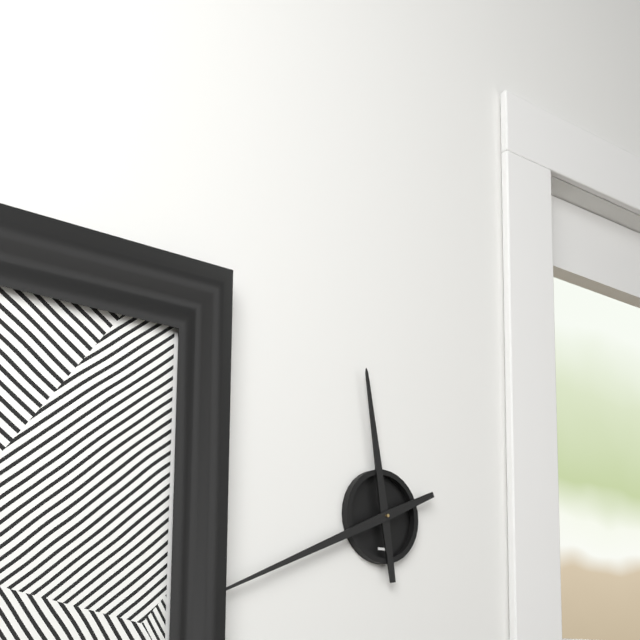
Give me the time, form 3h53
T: 11h41
